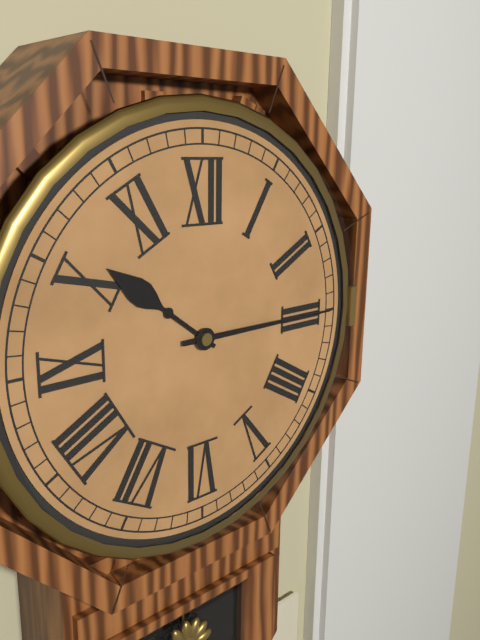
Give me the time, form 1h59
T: 10h15
